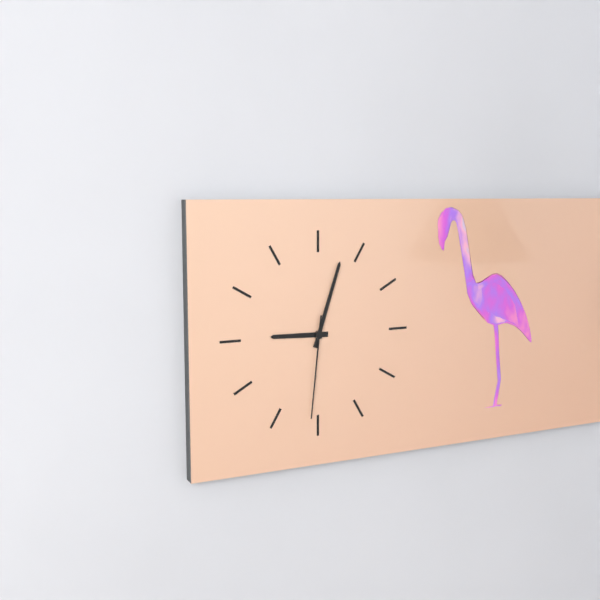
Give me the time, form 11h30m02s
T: 9h03m31s
